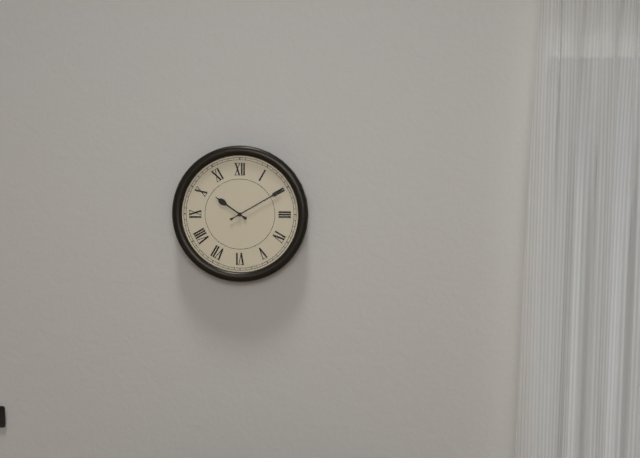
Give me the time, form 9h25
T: 10h10
